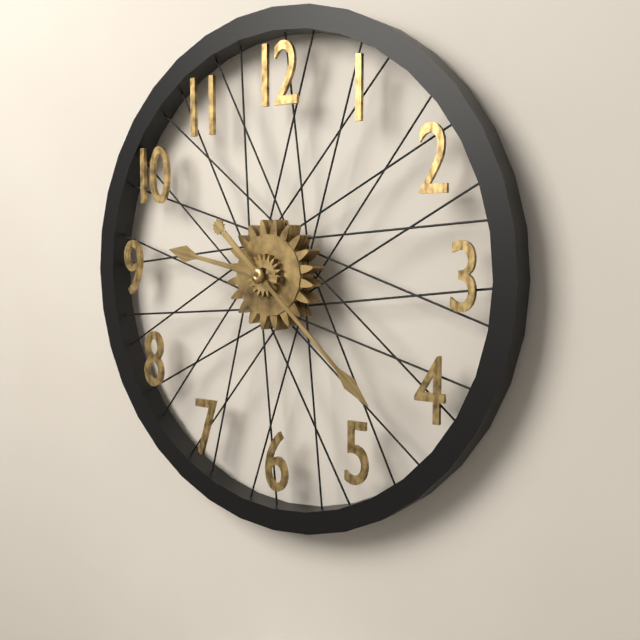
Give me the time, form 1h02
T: 9h22
